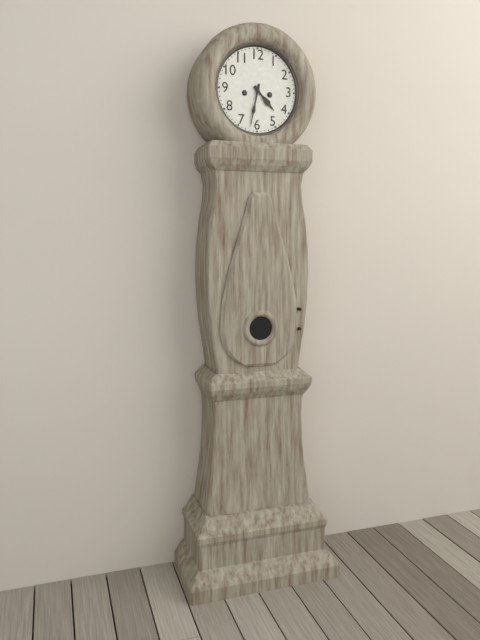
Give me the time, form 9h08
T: 4h32
